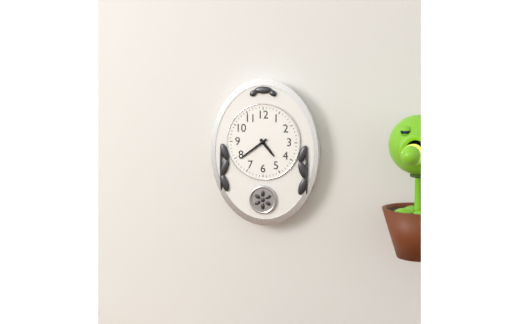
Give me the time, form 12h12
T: 4h39
